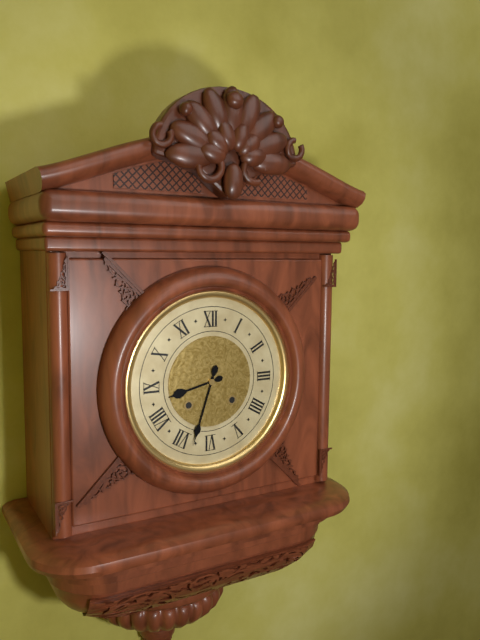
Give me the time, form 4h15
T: 8h33
